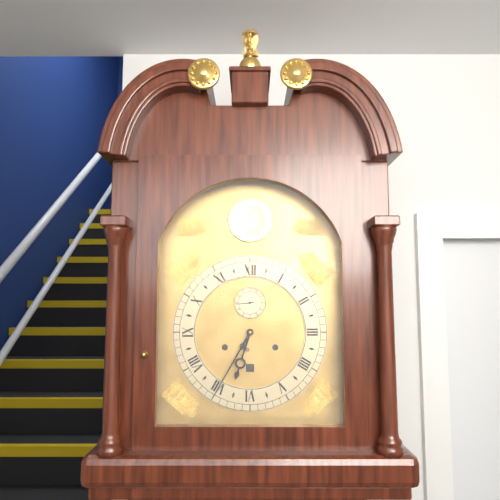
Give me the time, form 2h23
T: 6h35
